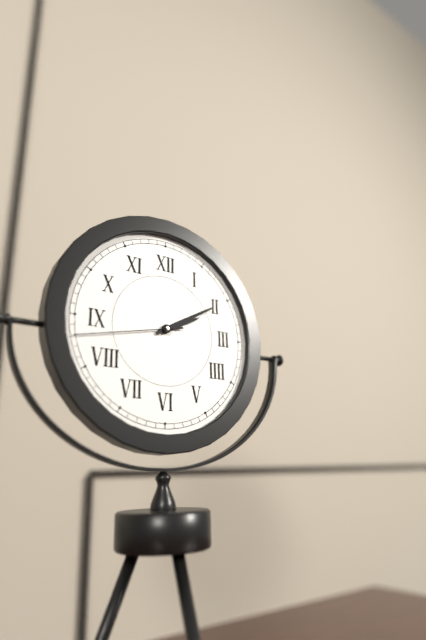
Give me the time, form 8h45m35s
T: 2h10m43s
